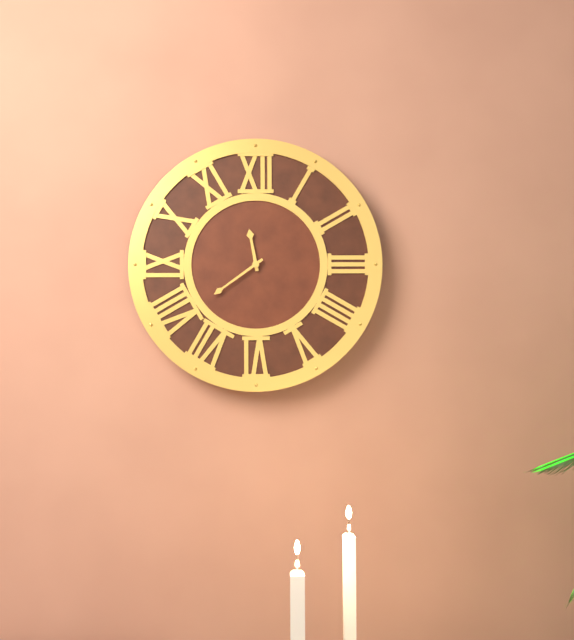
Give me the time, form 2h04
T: 11h39
